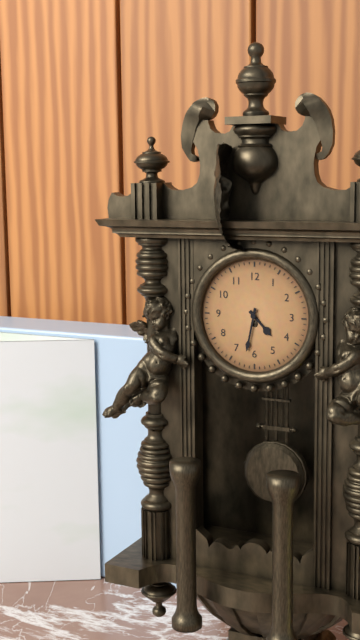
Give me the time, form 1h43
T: 4h32
